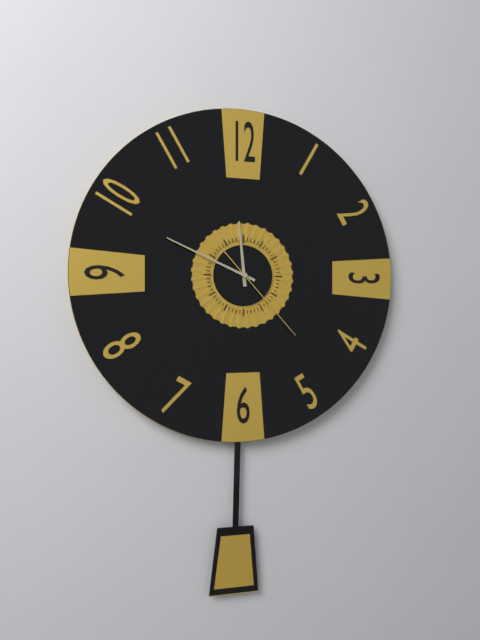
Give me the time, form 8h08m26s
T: 11h49m23s
